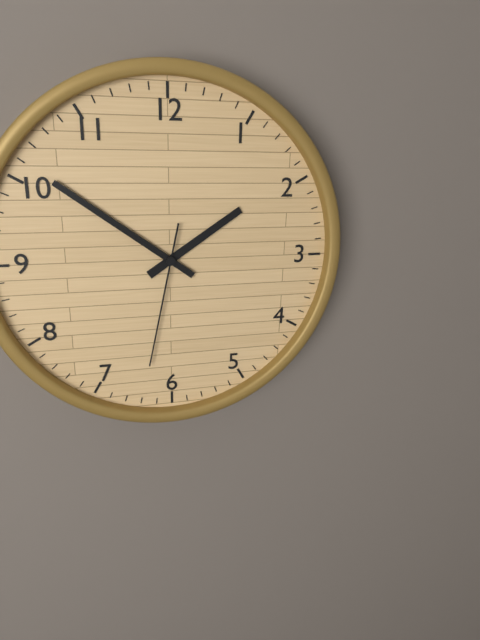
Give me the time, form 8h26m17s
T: 1h51m32s
